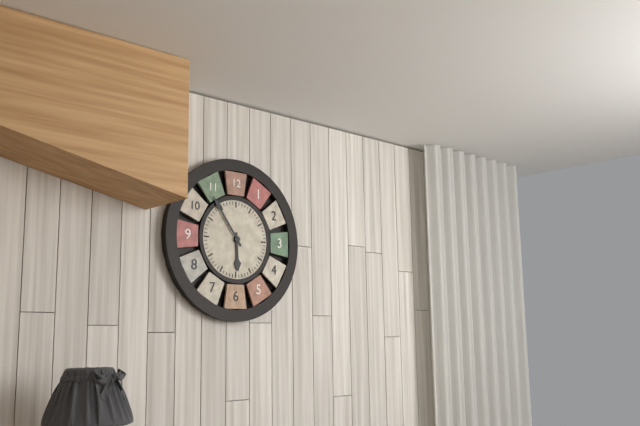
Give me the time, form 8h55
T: 5h54
